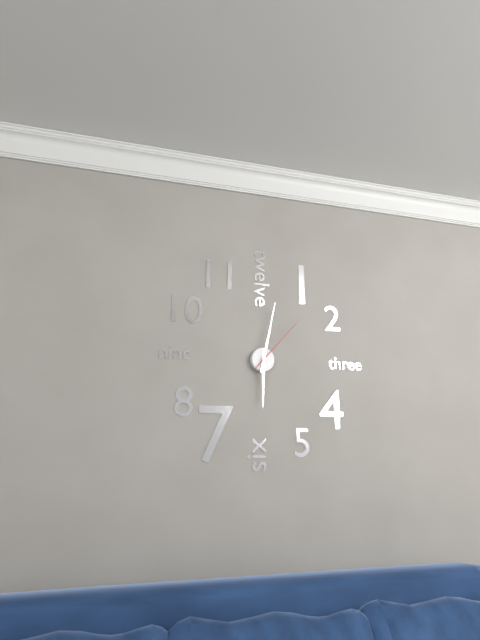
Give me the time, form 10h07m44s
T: 6h02m07s
